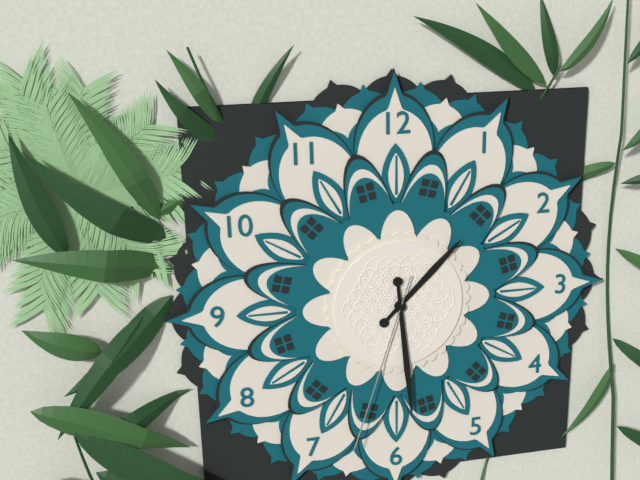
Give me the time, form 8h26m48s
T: 1h29m33s
